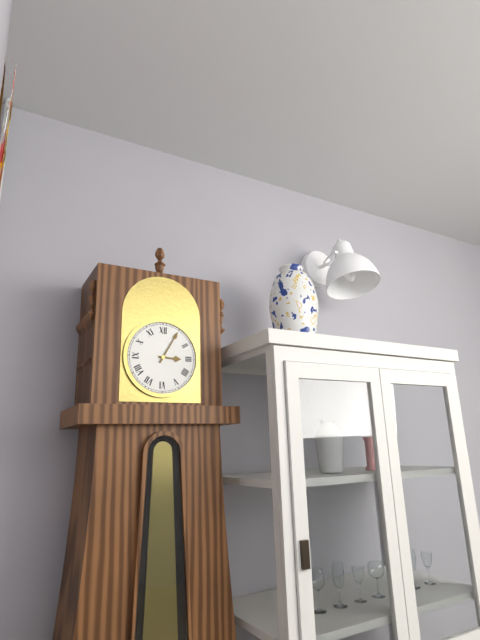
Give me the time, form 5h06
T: 3h05
